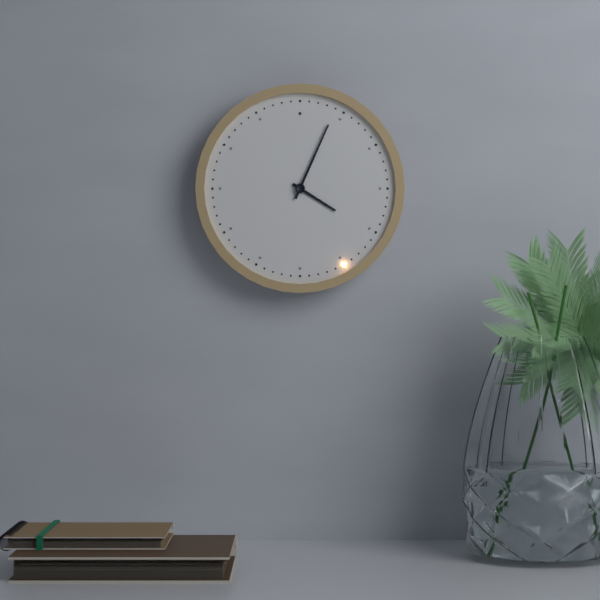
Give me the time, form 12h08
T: 4h04
